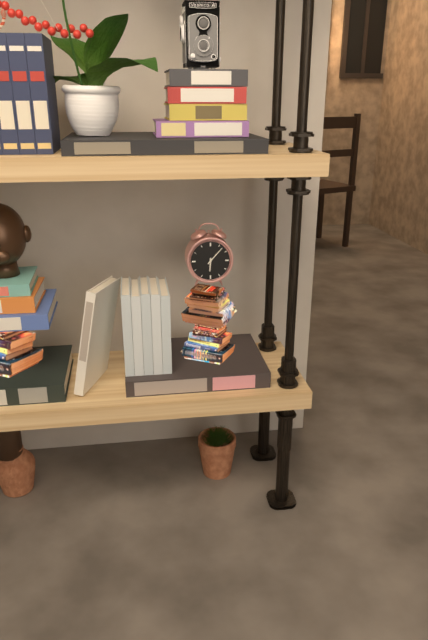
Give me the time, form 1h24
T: 6h07
